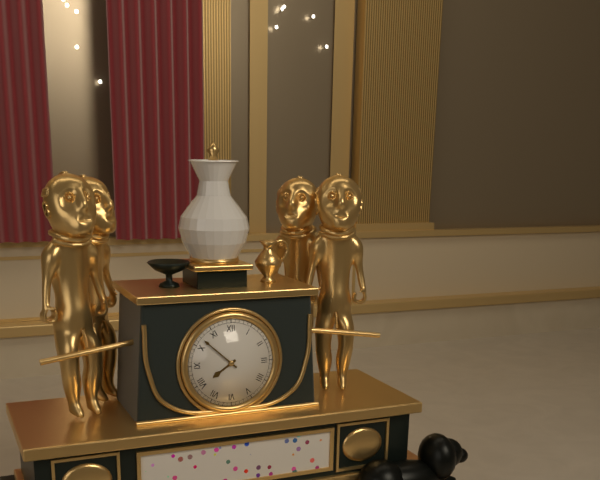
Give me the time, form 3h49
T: 7h52
